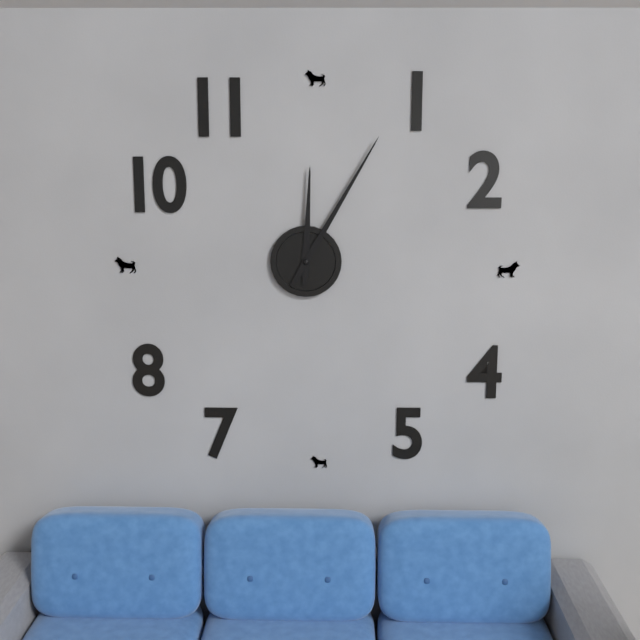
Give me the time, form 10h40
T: 12h05
